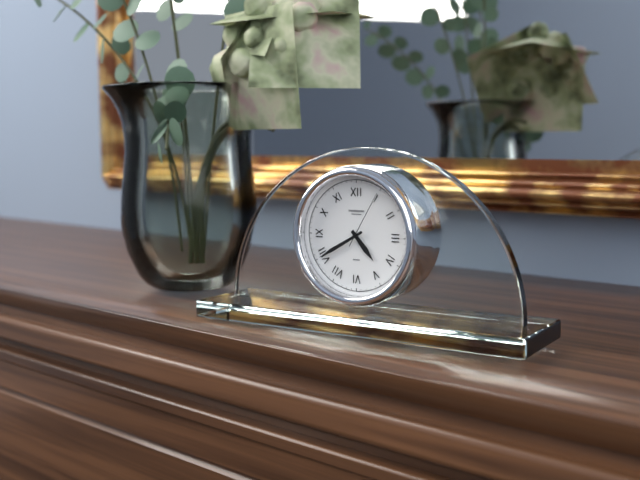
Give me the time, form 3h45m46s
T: 4h40m05s
